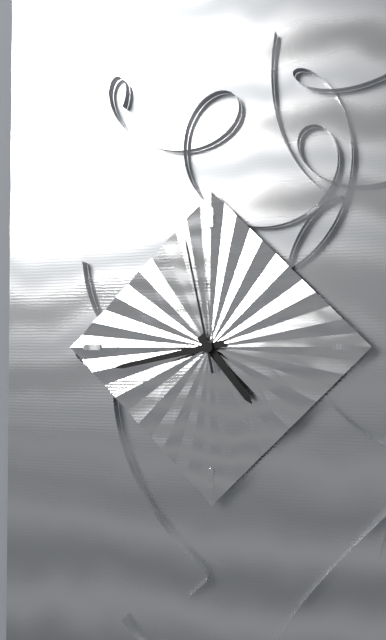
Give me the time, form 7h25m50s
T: 4h43m58s
